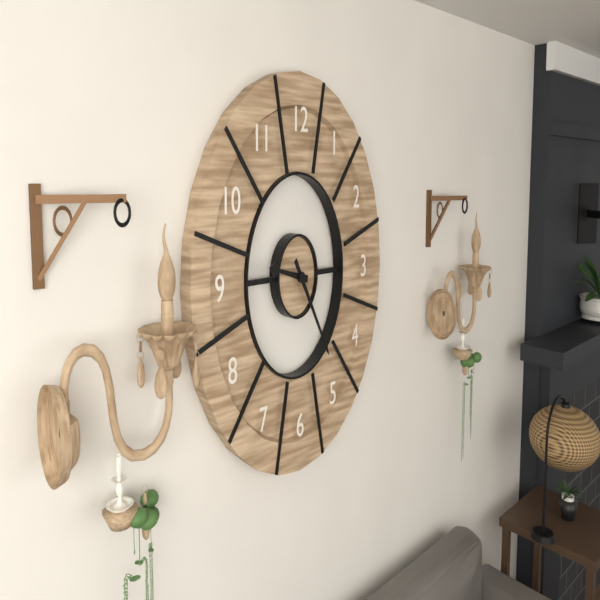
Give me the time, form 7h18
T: 9h24
